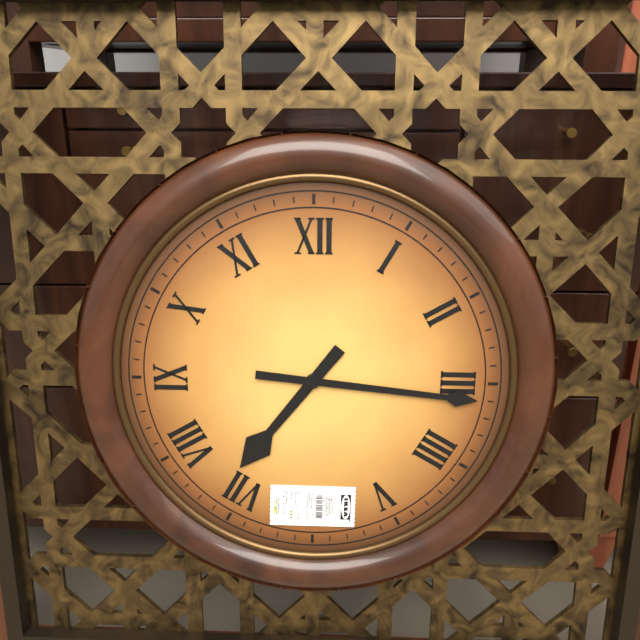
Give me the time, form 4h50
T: 7h16
